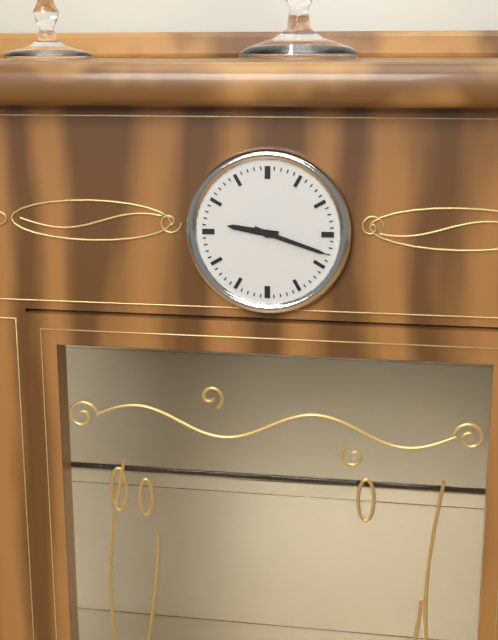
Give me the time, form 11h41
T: 9h18
